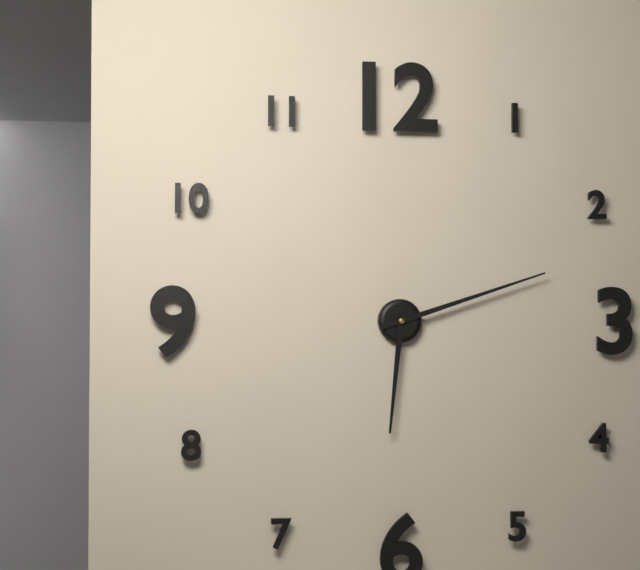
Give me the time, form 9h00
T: 6h12
